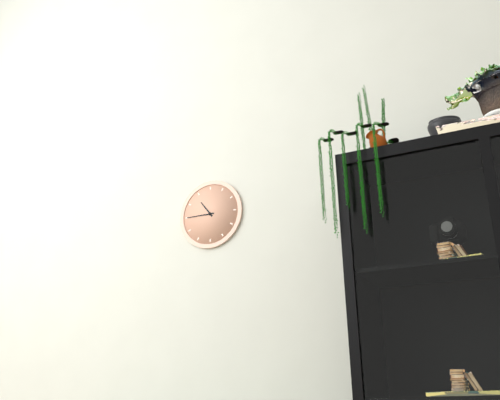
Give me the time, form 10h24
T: 10h45
